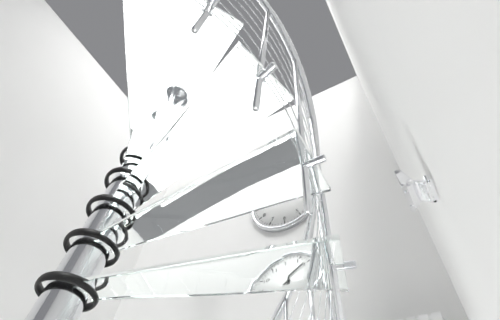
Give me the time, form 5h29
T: 12h08
